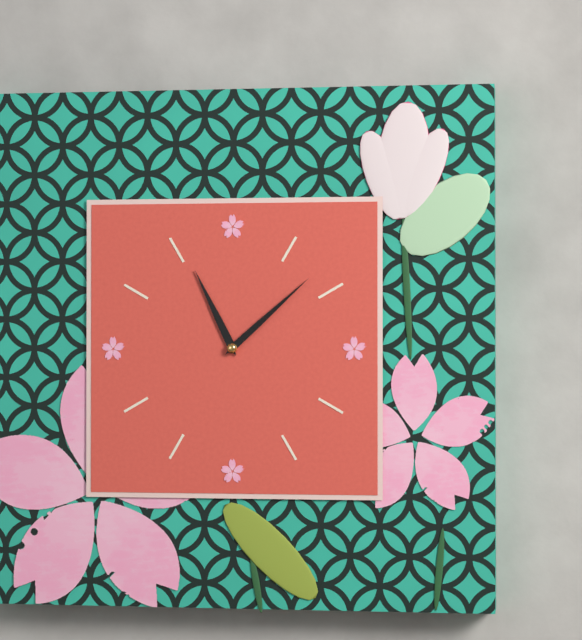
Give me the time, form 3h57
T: 11h08
